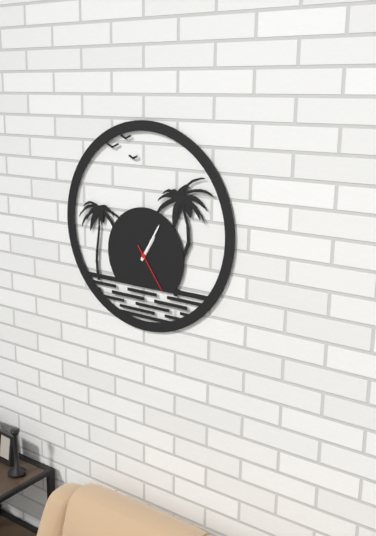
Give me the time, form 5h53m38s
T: 1h05m24s
